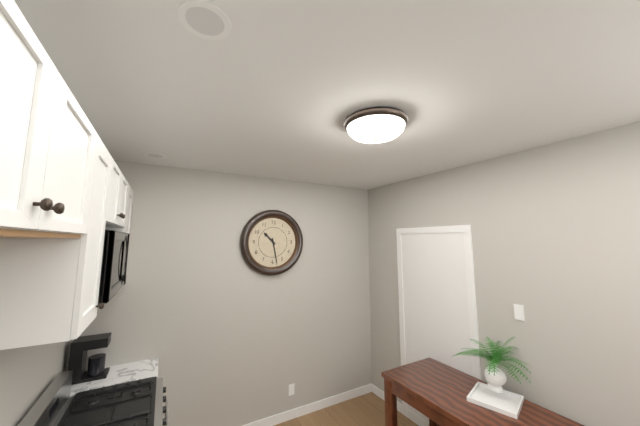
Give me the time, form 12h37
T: 10h28
